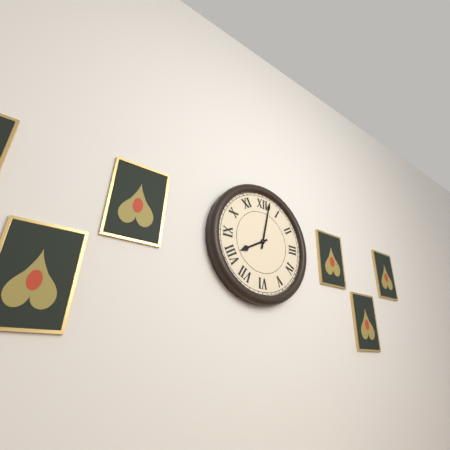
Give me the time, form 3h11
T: 8h02
